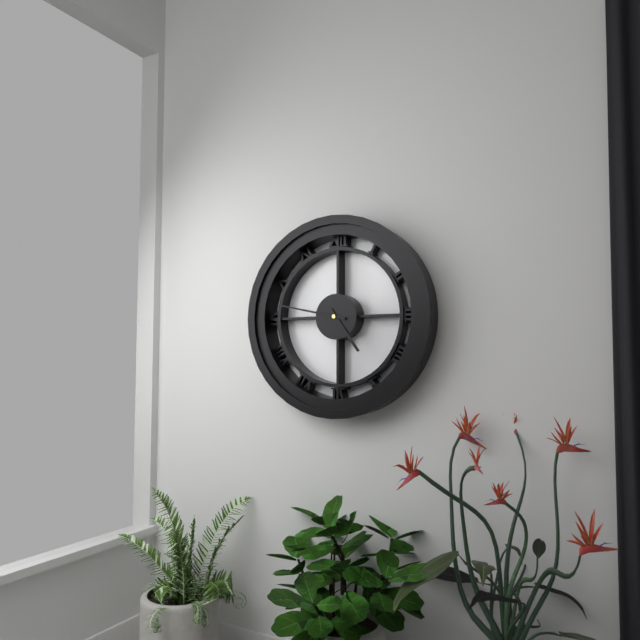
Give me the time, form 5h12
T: 4h47
